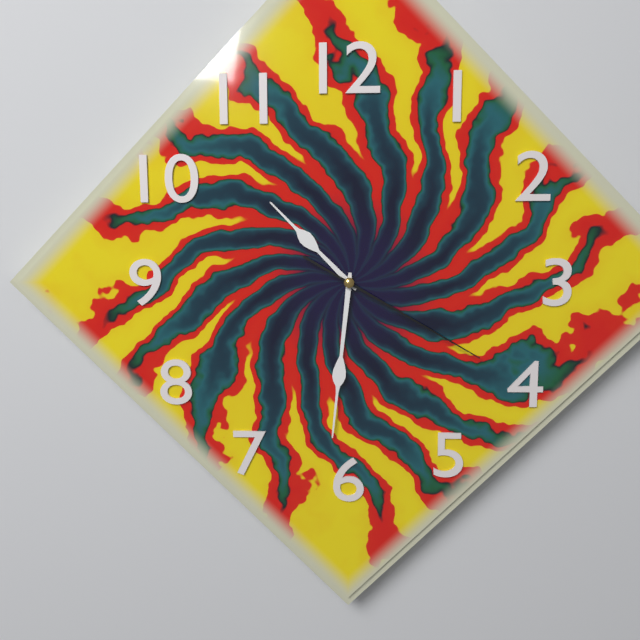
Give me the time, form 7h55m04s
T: 10h31m20s
